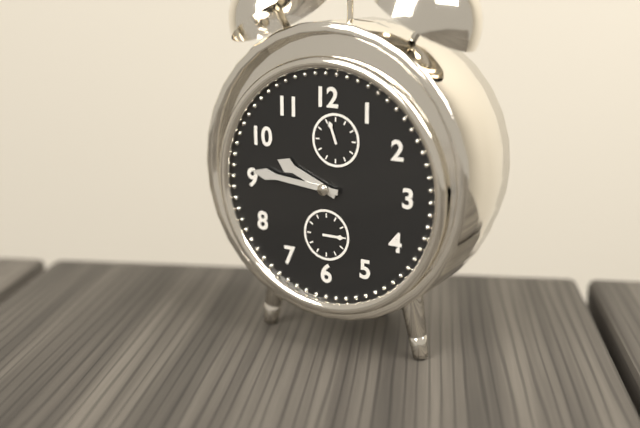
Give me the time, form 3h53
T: 9h46
